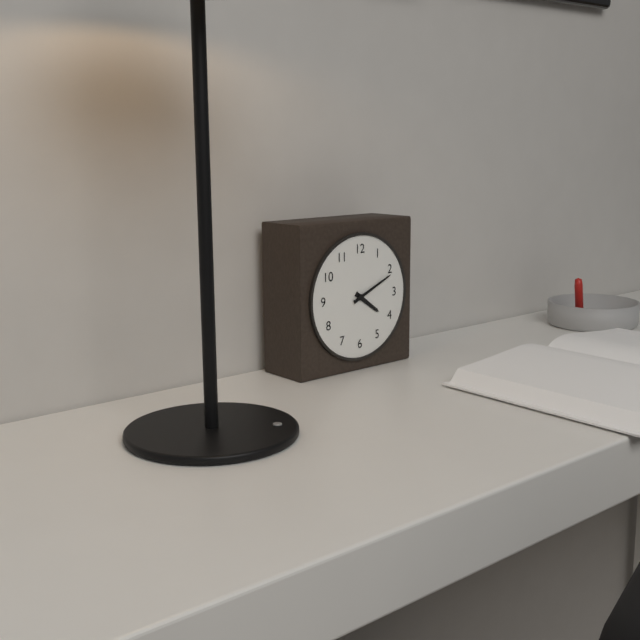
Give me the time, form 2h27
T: 4h11
